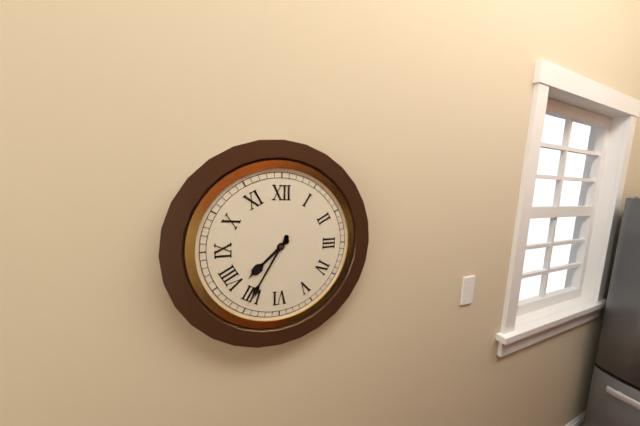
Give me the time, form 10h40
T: 7h35
